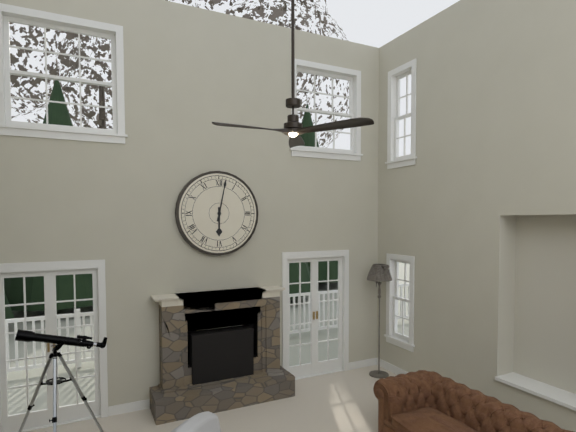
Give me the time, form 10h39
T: 6h02
